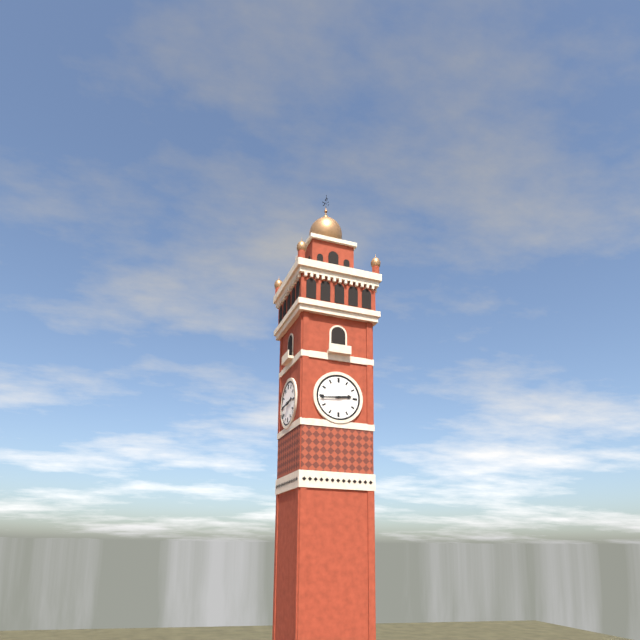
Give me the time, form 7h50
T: 2h44
